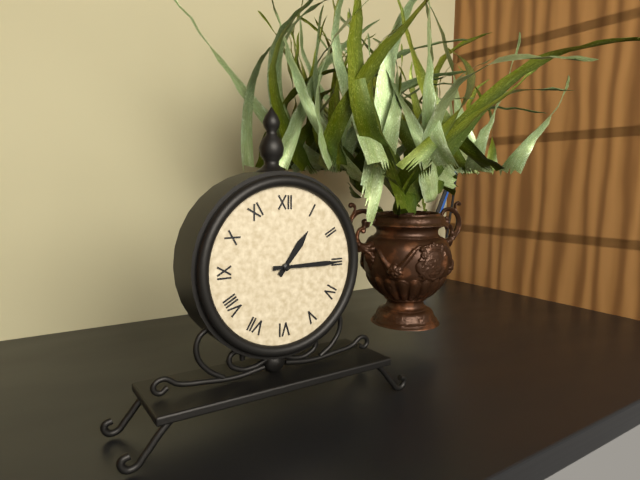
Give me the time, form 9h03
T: 1h15
